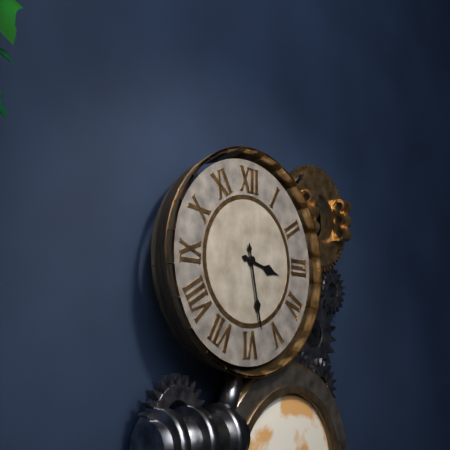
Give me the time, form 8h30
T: 3h28
